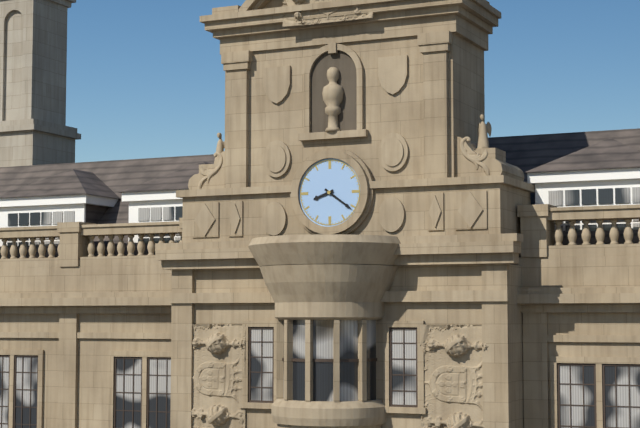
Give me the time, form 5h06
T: 8h21
